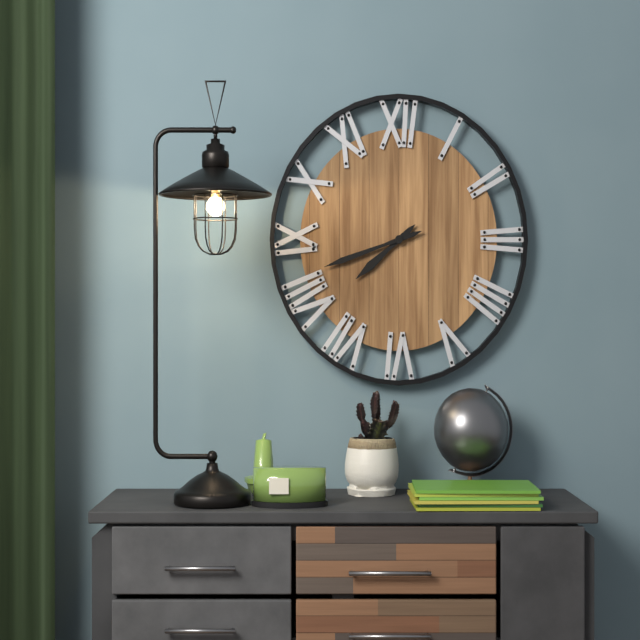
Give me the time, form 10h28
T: 7h42
